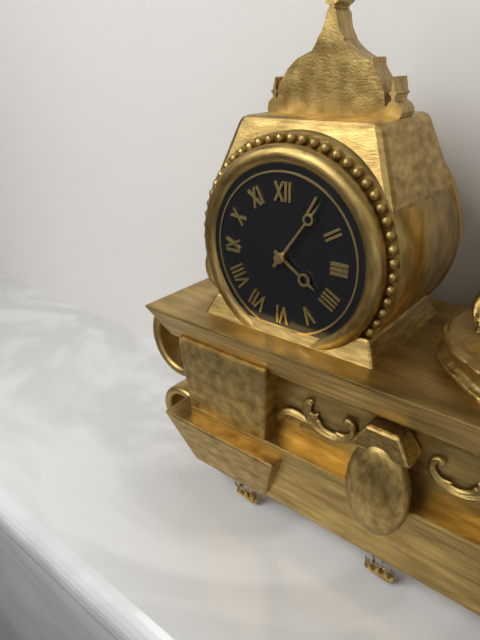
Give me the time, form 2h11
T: 4h06
